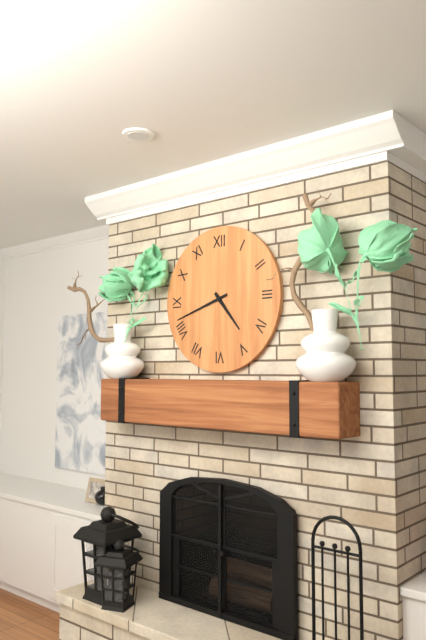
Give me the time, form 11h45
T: 4h42
